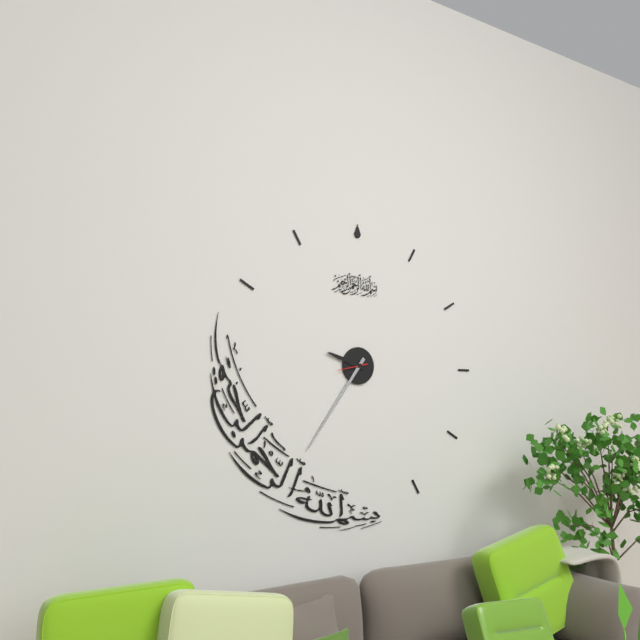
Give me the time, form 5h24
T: 9h36
